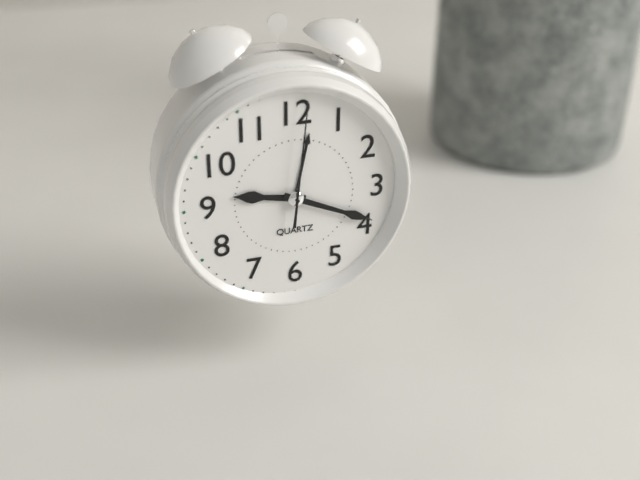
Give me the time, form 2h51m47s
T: 9h19m01s
